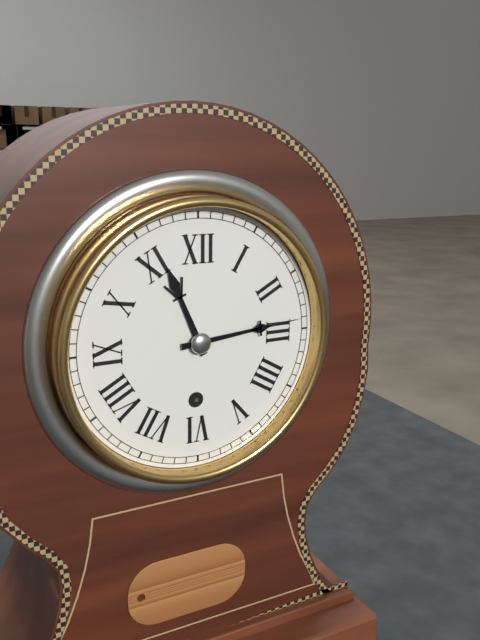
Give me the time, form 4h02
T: 11h14
